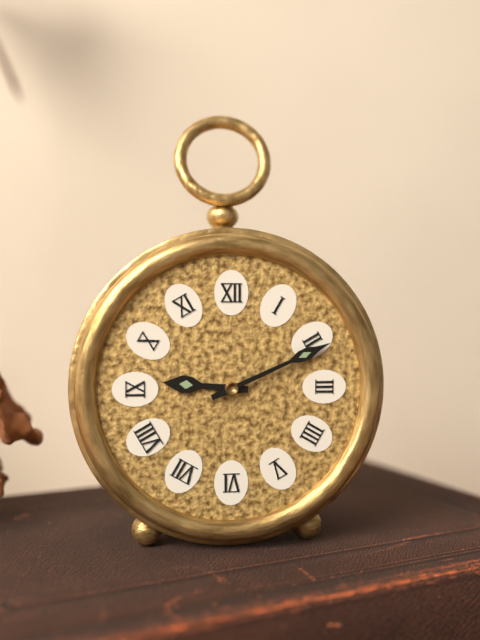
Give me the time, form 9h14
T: 9h11
